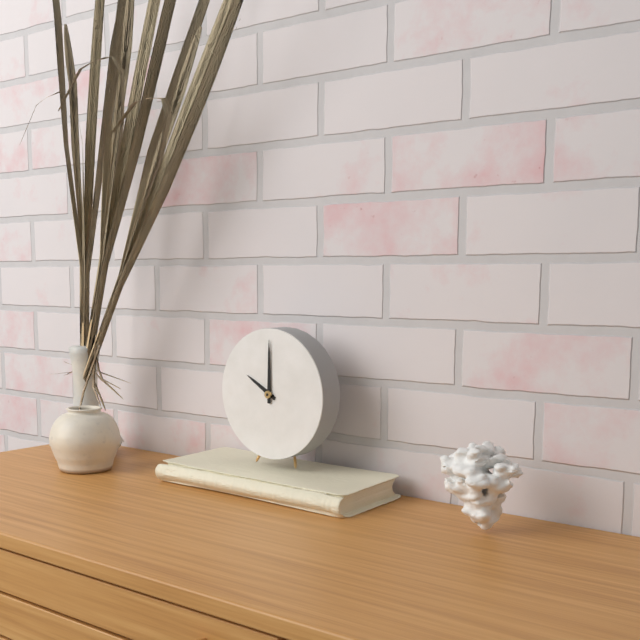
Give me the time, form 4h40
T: 10h00
